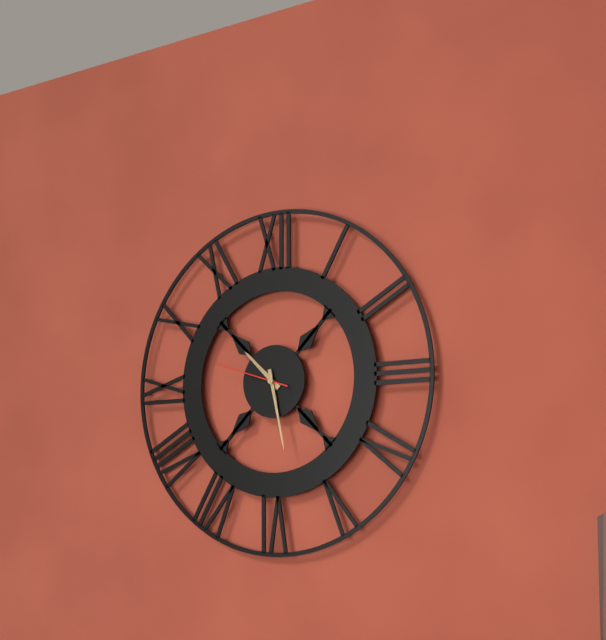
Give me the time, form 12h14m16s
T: 10h28m48s
